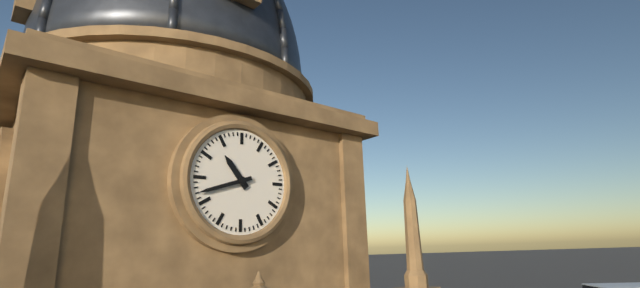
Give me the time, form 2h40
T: 10h42
